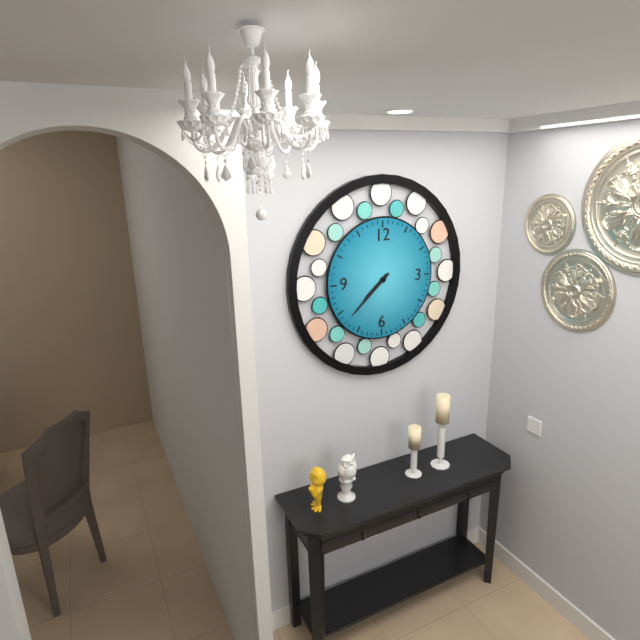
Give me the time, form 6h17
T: 7h38
